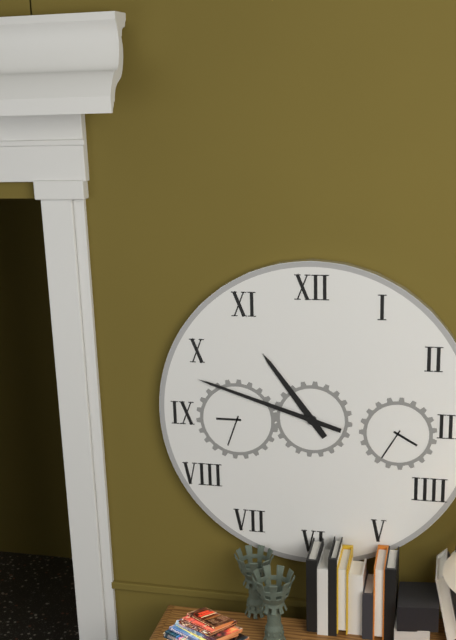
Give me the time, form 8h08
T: 10h48
